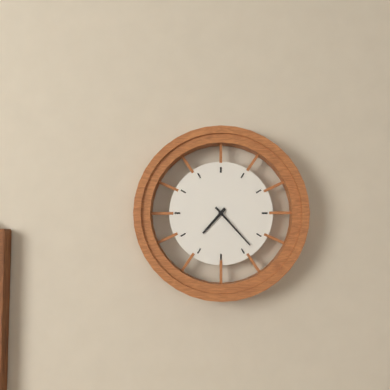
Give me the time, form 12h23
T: 7h23
